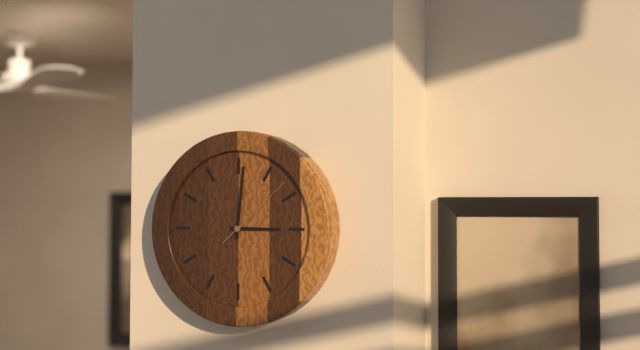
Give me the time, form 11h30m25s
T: 3h01m08s
